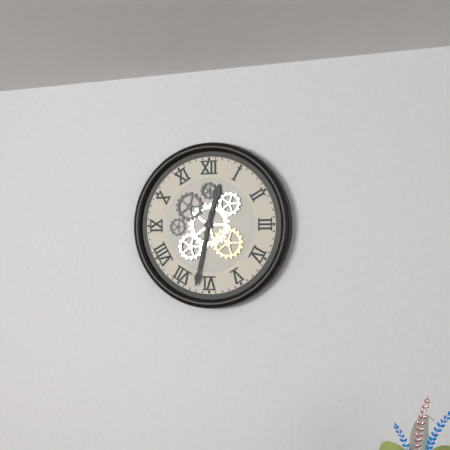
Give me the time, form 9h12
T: 12h32
